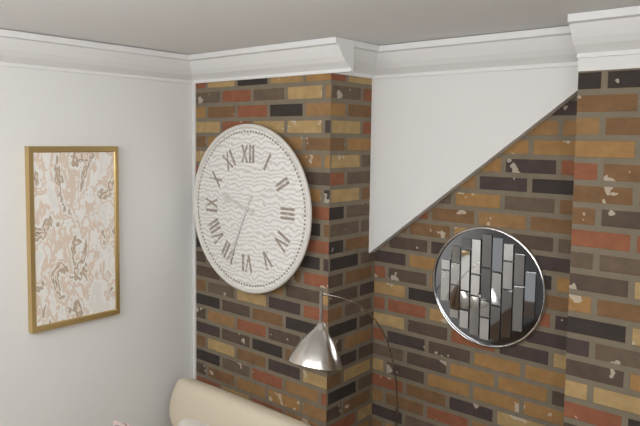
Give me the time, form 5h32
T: 9h34
